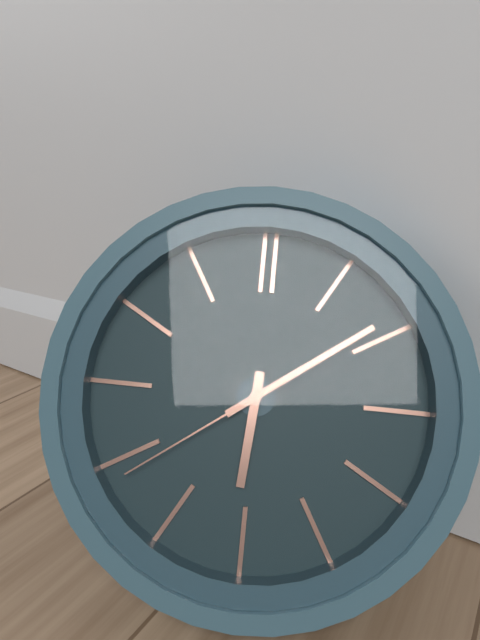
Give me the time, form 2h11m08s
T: 6h09m39s
